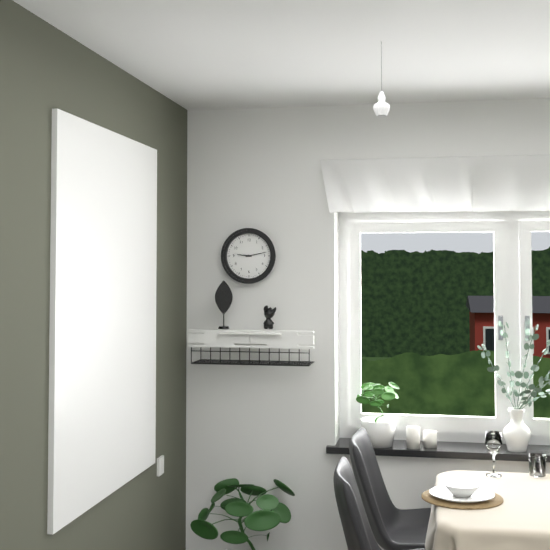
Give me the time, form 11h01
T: 9h13
